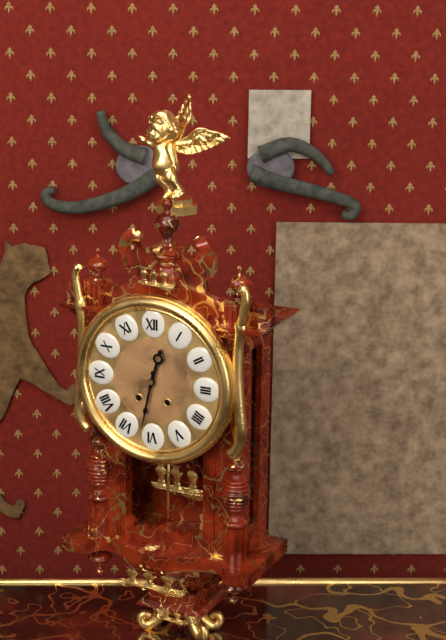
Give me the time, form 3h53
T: 12h32
